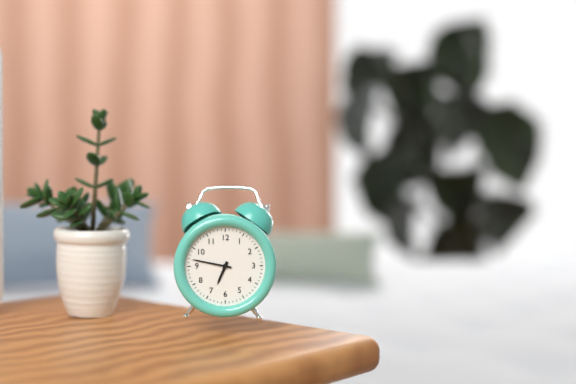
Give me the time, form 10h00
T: 6h47
